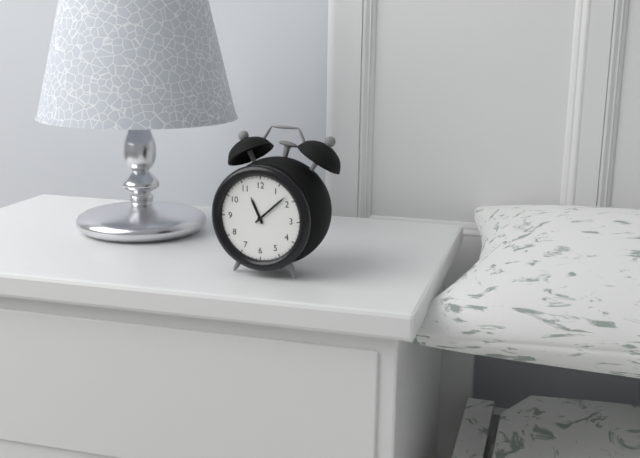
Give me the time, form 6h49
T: 11h08
